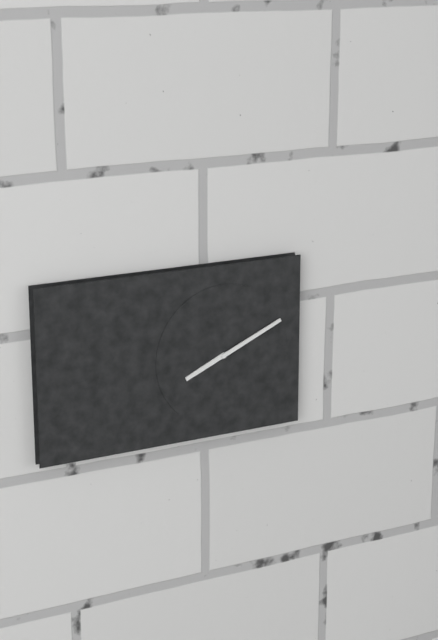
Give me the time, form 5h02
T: 8h11
